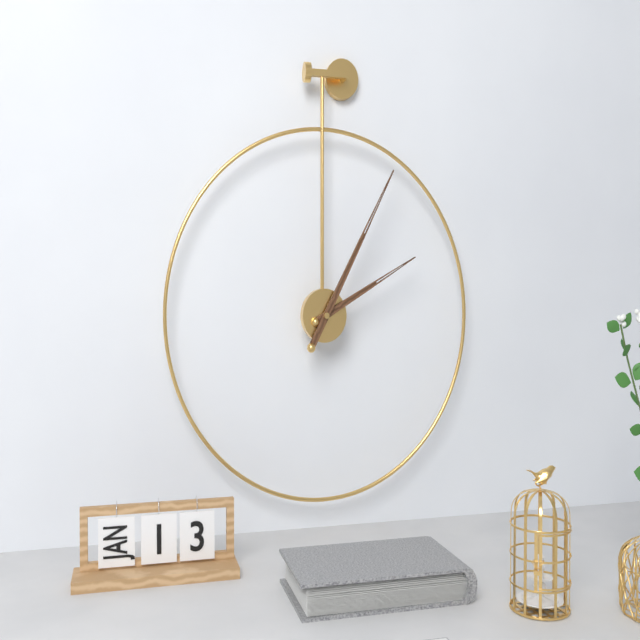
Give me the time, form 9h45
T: 2h05
